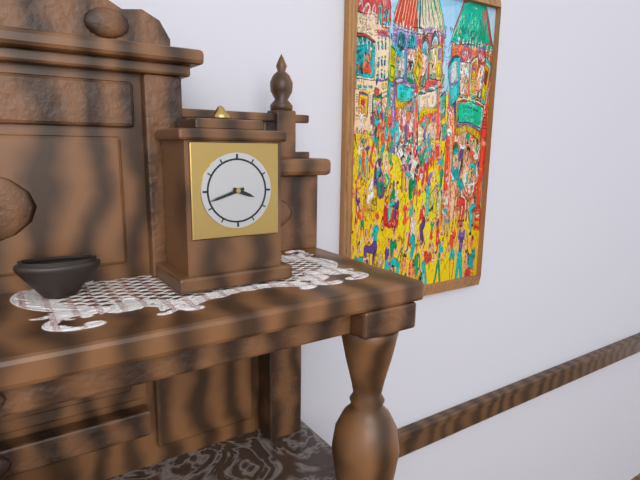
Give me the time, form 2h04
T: 3h42
